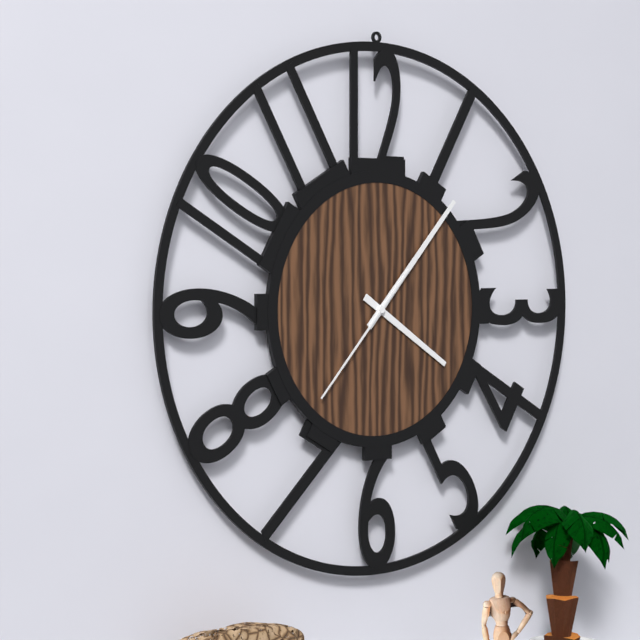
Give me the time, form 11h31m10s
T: 4h07m37s
